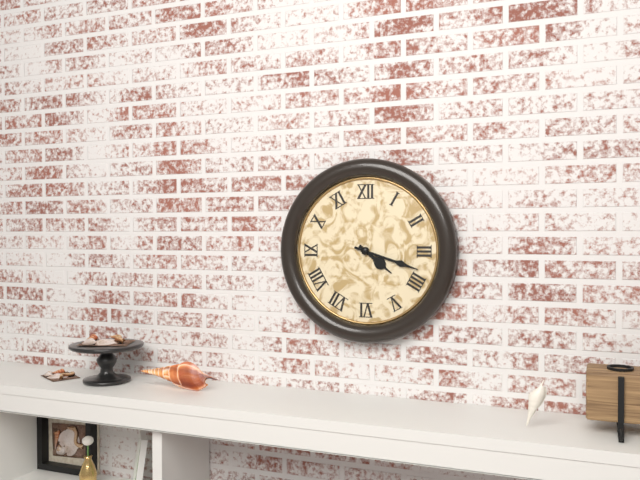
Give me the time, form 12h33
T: 4h18
